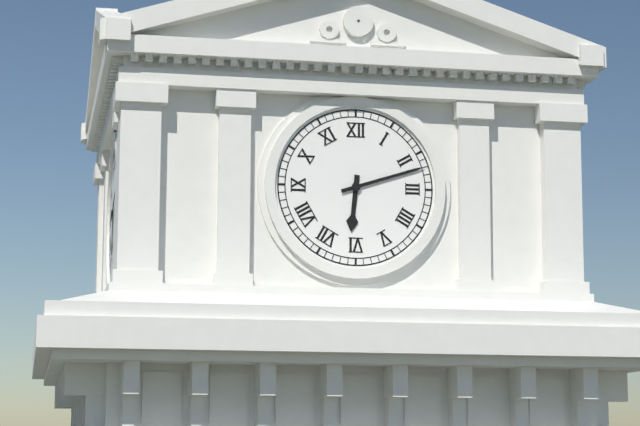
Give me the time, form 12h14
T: 6h12
